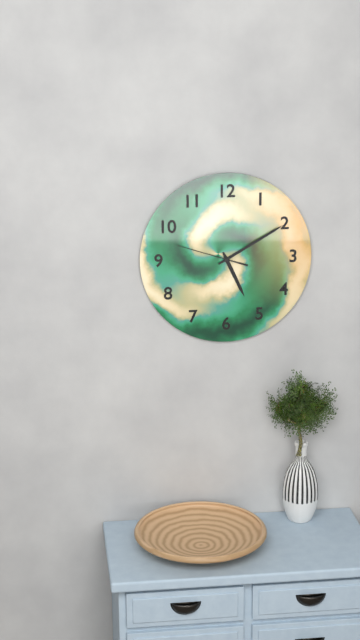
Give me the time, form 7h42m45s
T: 5h10m48s
